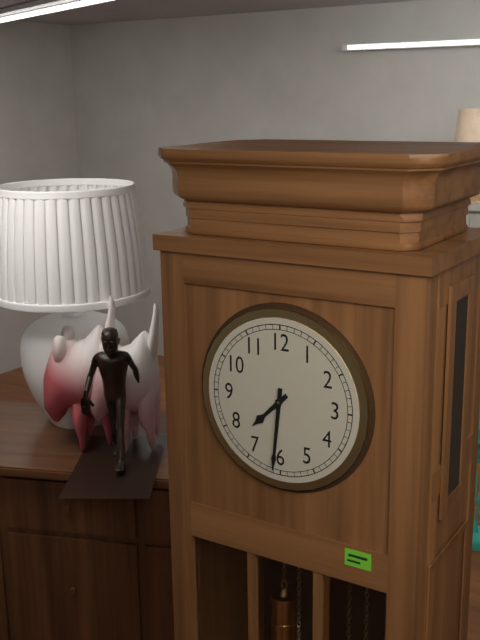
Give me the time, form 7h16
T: 7h31
